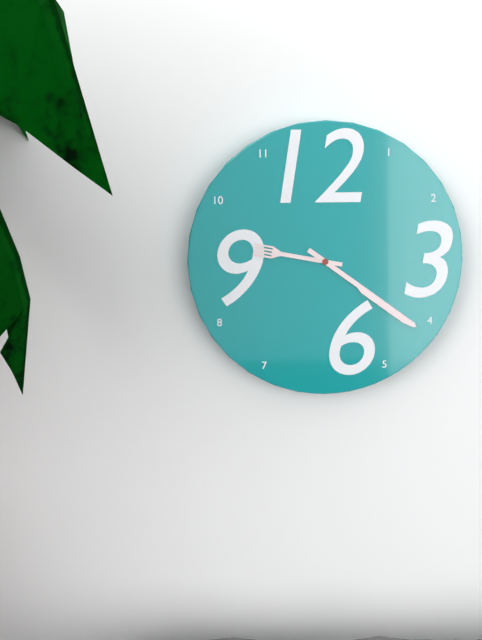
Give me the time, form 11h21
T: 9h21
